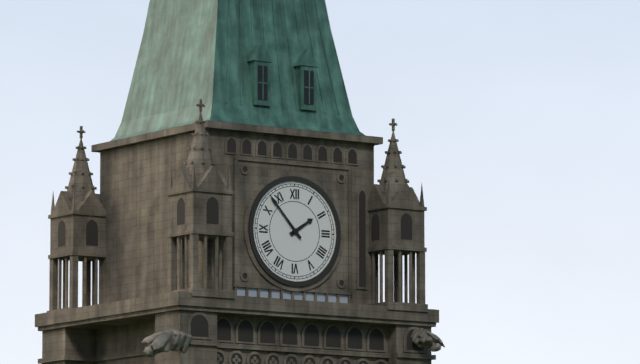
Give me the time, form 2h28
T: 1h53
